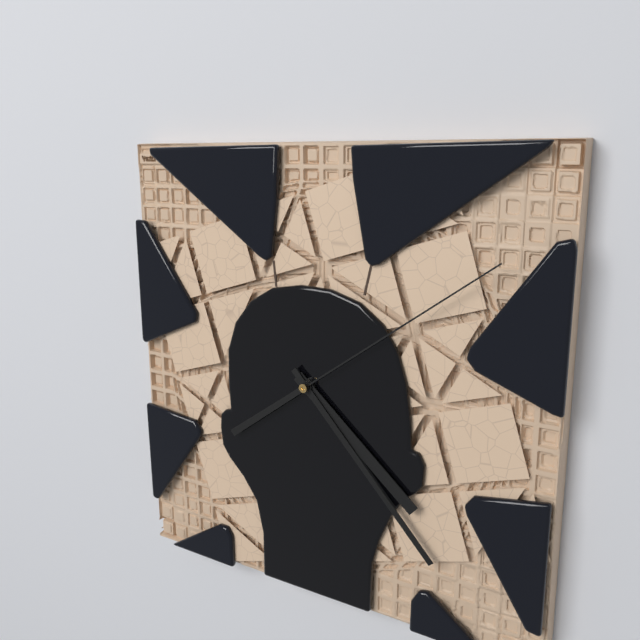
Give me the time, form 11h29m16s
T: 4h23m09s
